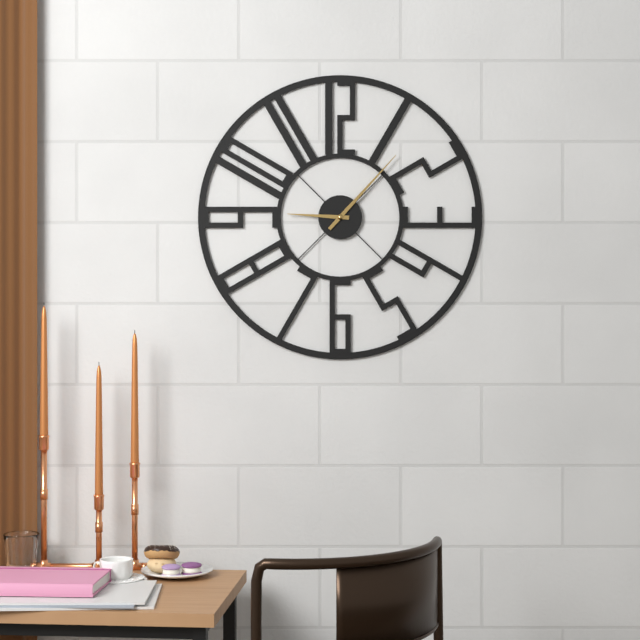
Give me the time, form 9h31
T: 9h07
